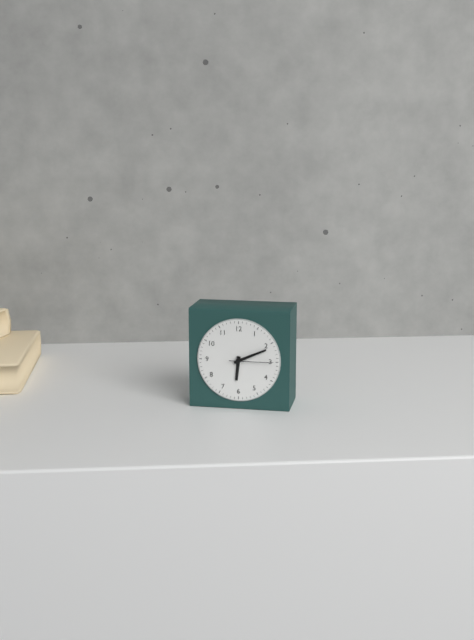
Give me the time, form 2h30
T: 6h11
